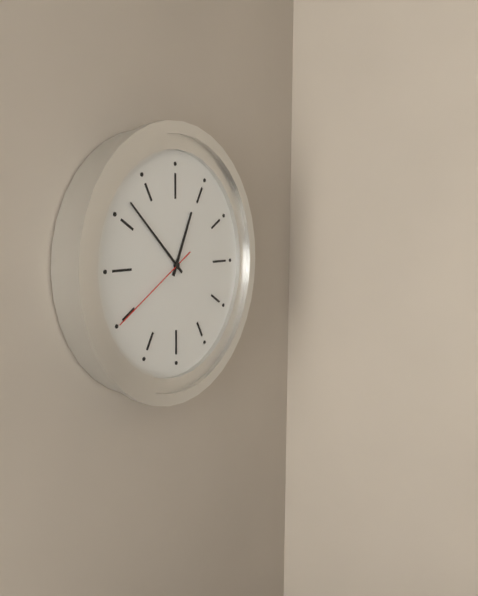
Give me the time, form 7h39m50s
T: 12h52m40s
